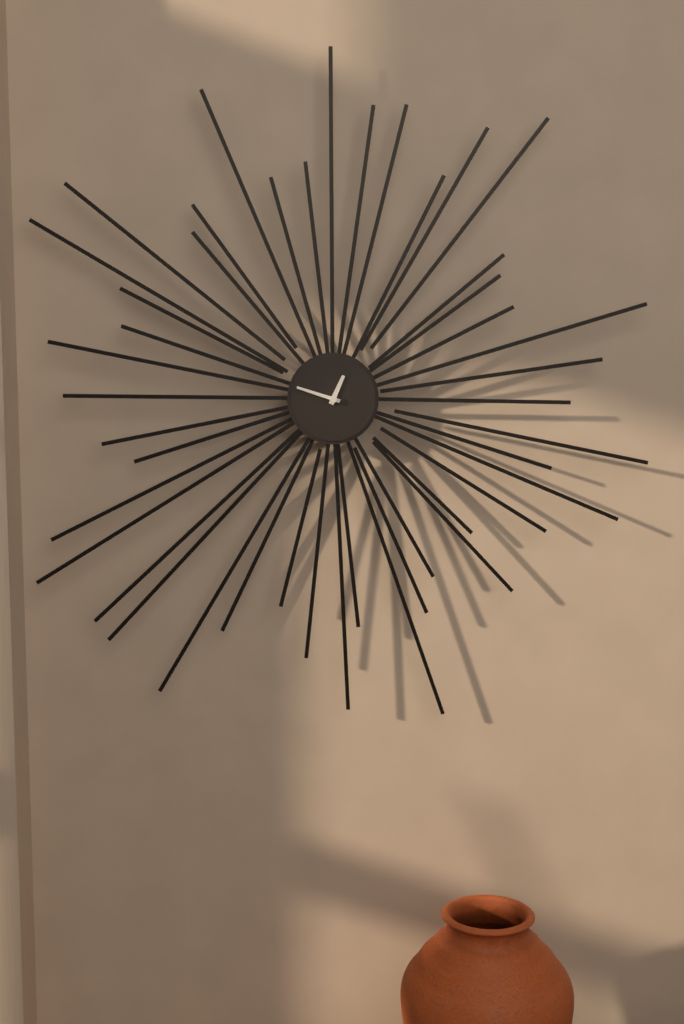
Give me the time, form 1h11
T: 12h48
